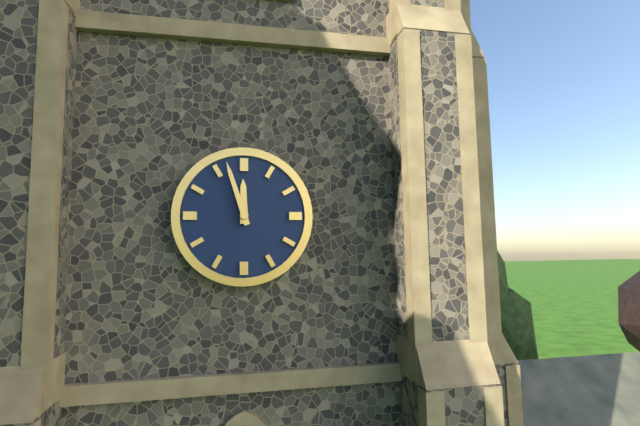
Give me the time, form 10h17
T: 11h57
